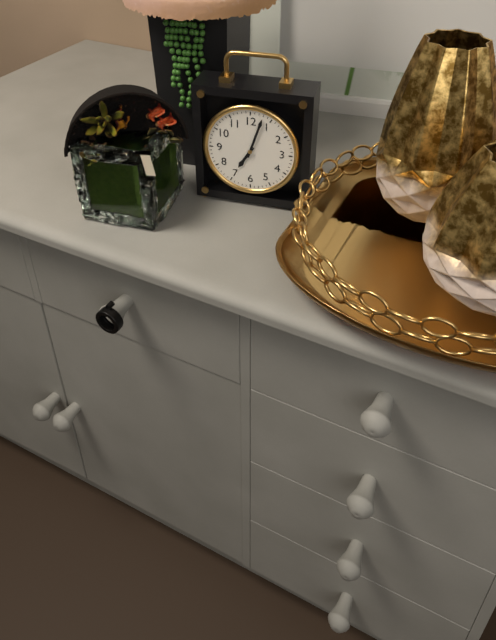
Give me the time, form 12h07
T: 7h03
